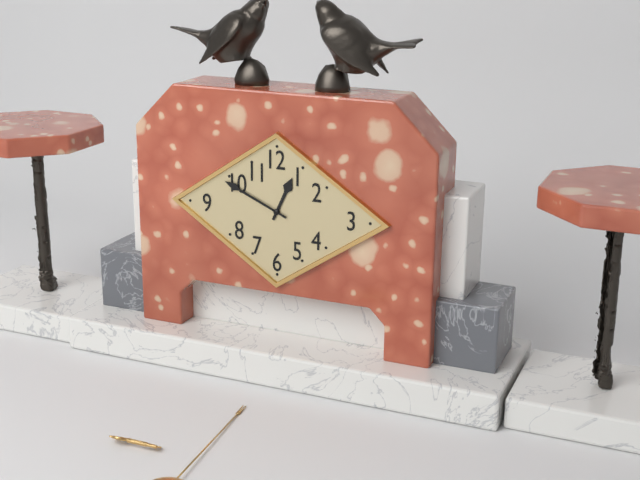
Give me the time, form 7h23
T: 12h49
